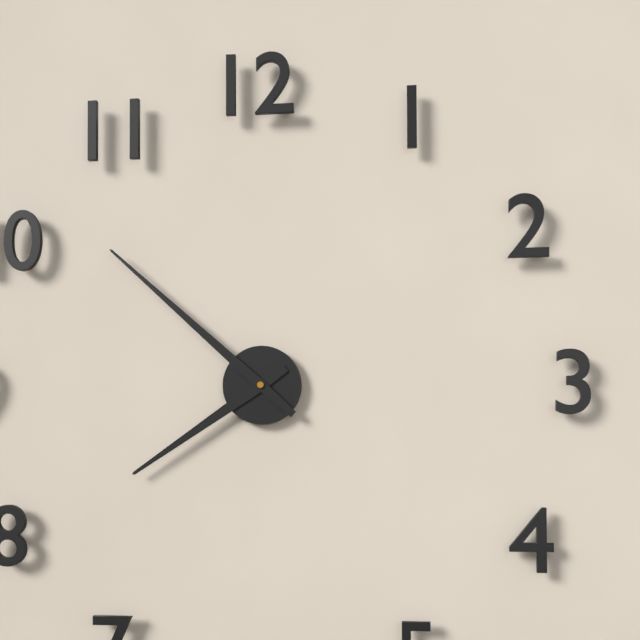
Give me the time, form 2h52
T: 7h52
